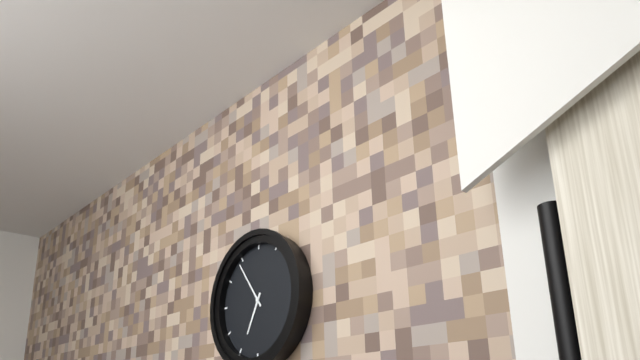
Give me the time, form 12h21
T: 6h54
